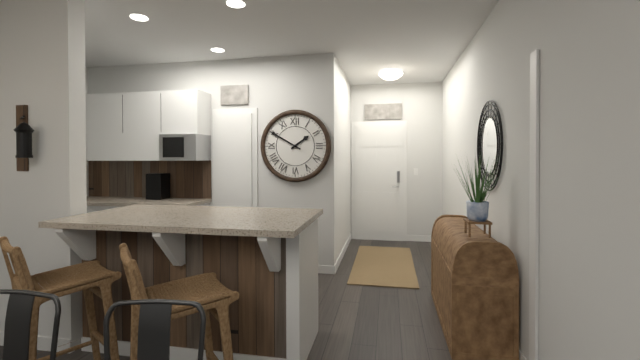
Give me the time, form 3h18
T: 1h50
